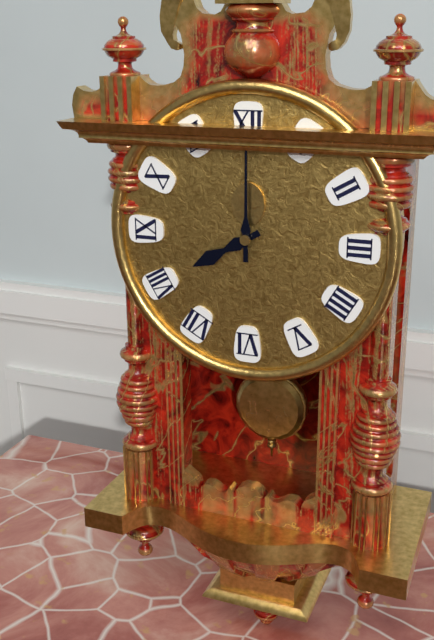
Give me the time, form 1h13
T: 8h00
